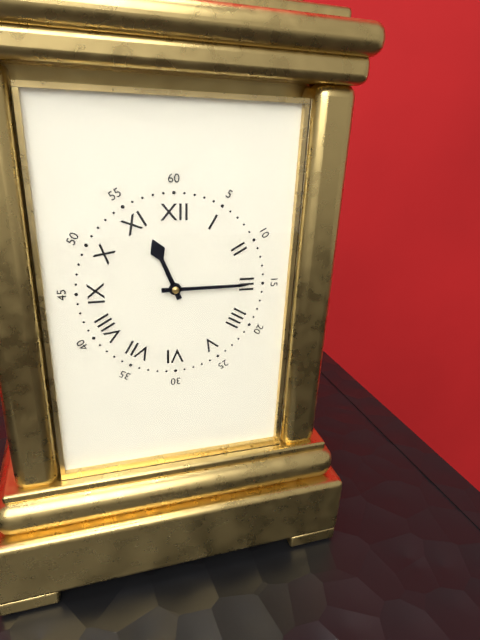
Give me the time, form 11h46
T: 11h15
